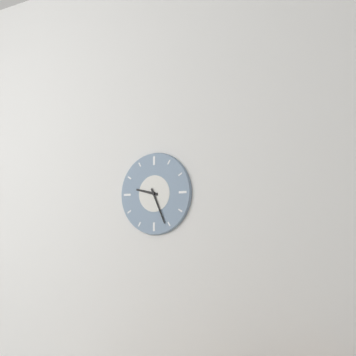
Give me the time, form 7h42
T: 9h26
